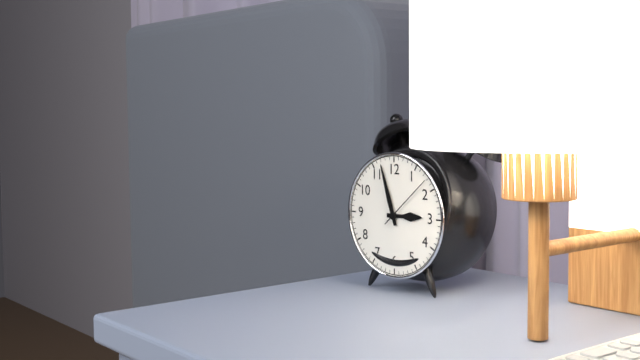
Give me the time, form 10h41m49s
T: 2h57m08s
